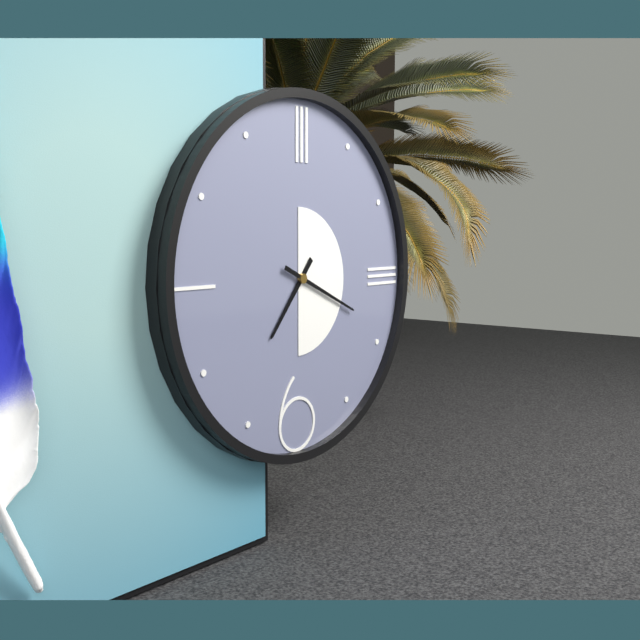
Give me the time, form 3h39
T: 7h19
